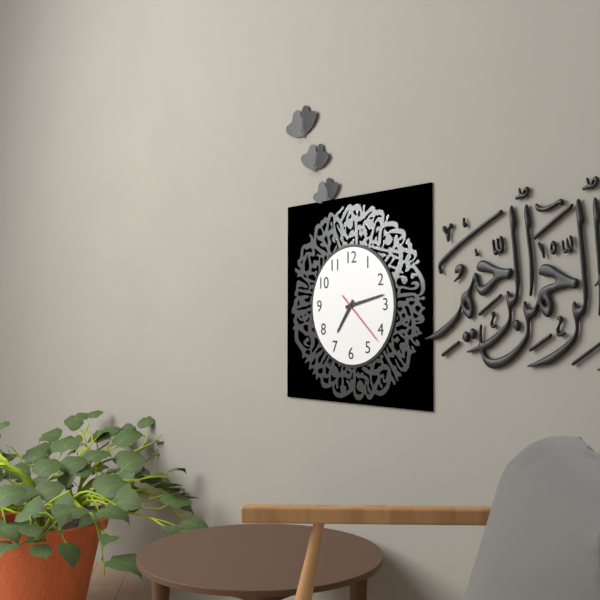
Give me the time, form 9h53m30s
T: 7h13m22s
